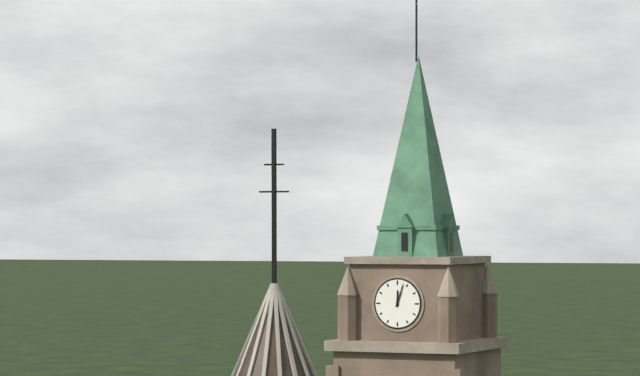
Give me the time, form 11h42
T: 12h03
